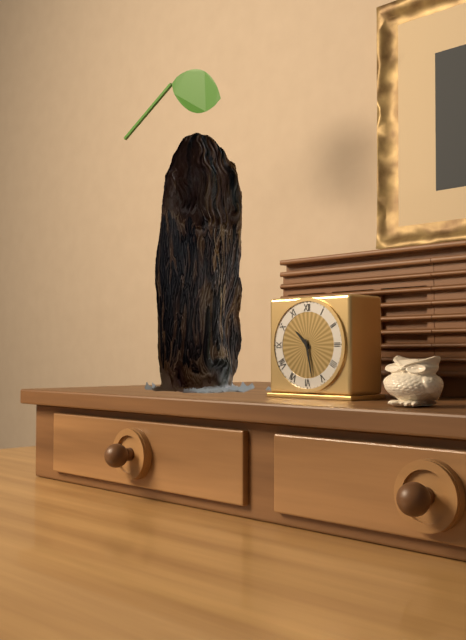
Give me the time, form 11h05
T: 10h28
